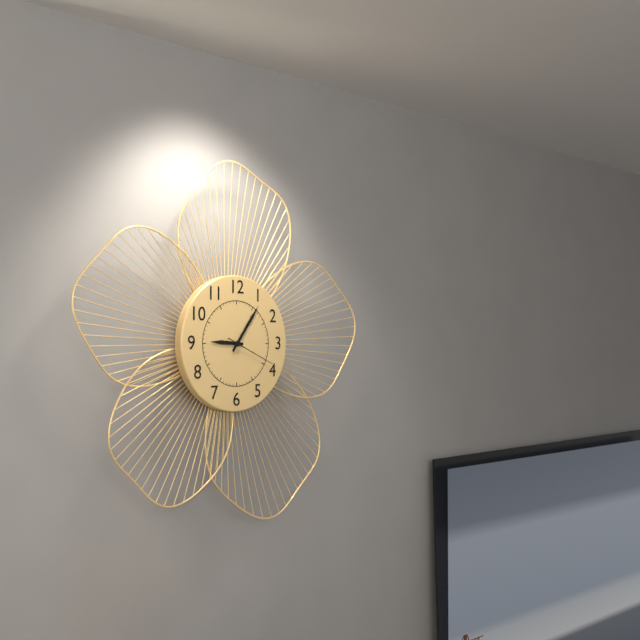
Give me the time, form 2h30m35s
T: 9h06m19s
